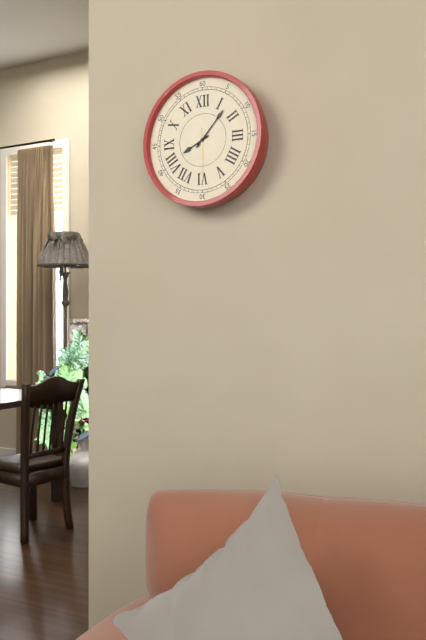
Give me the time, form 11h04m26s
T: 8h07m30s
